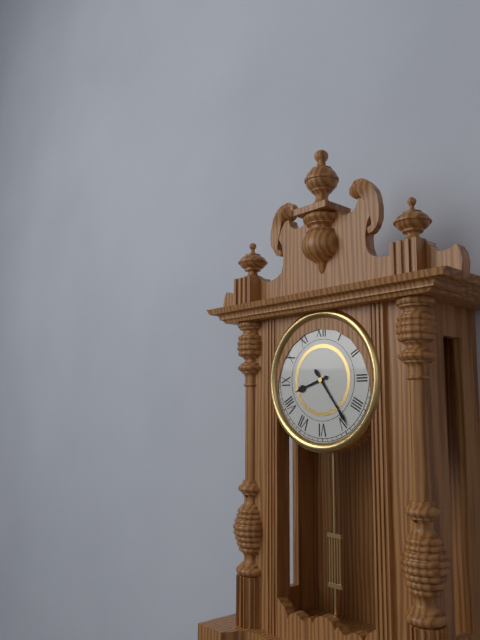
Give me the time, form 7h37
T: 8h24
